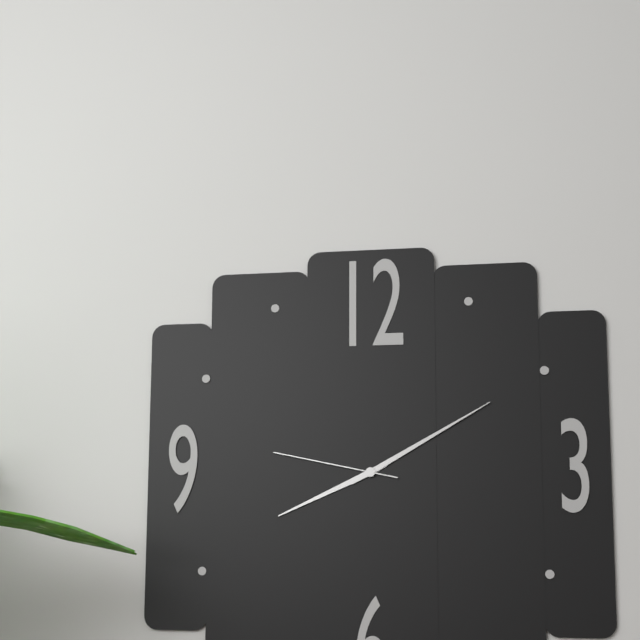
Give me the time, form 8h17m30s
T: 8h10m47s
